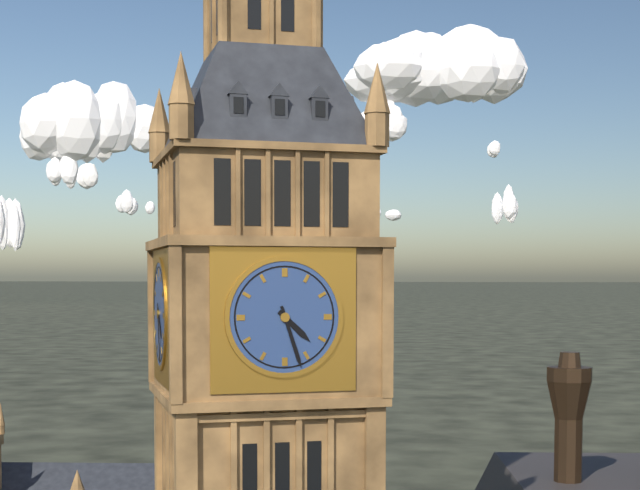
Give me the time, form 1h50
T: 4h27
